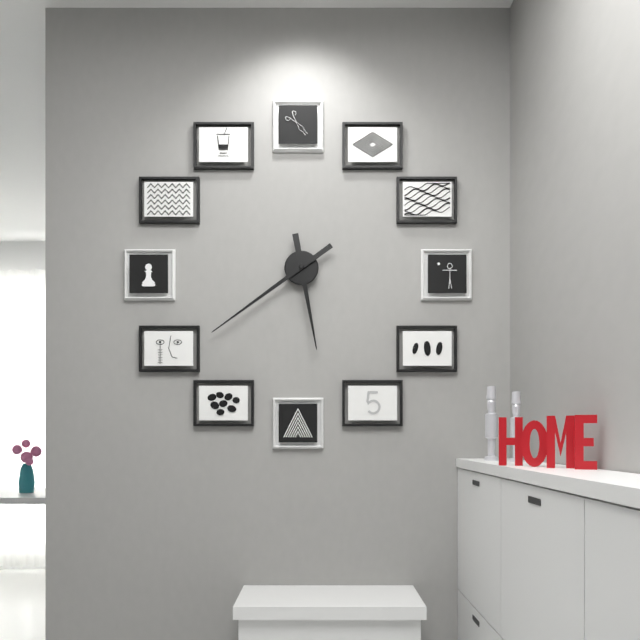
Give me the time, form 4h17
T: 5h39
